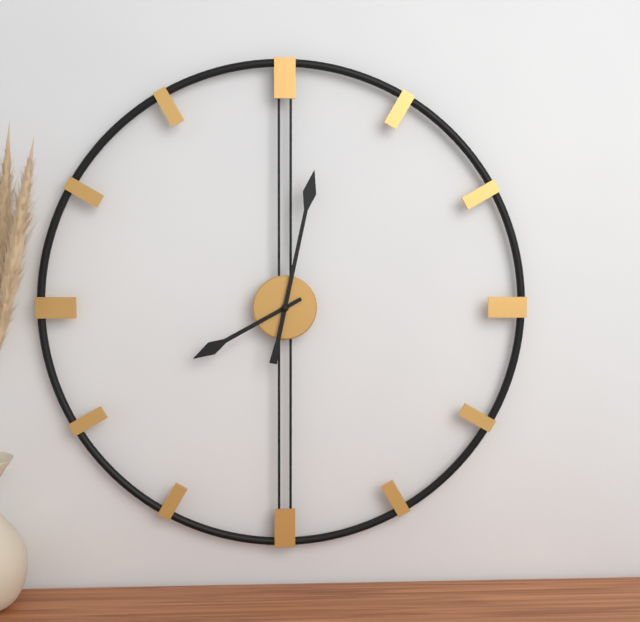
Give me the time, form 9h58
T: 8h02
